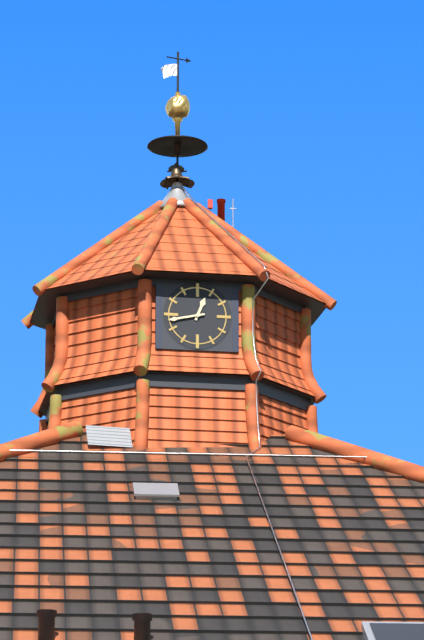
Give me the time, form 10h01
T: 12h43
